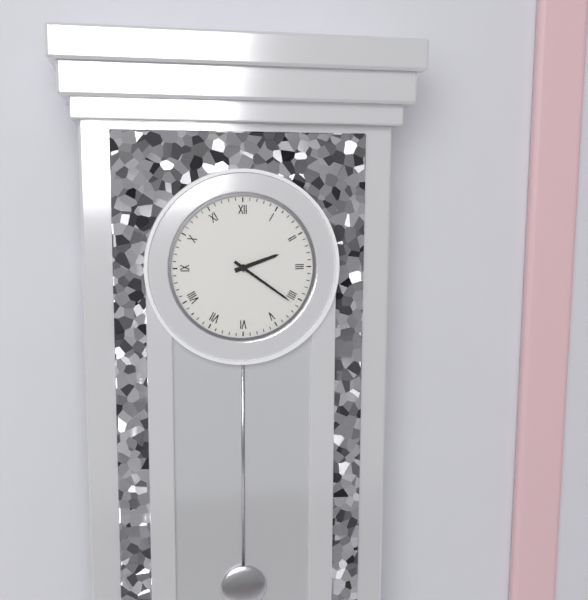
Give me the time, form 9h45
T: 2h21
